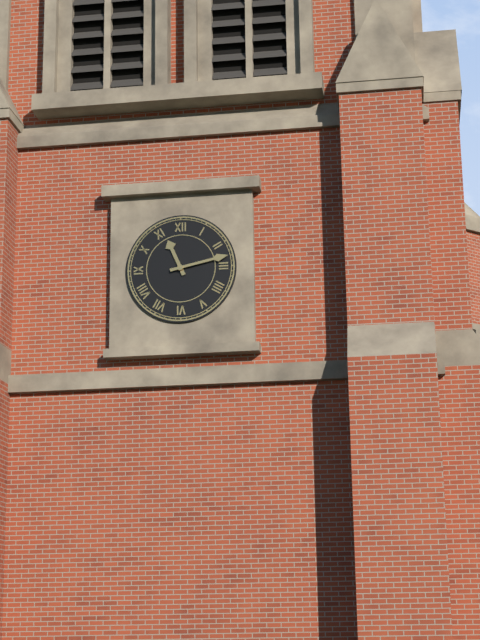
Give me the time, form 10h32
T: 11h13
